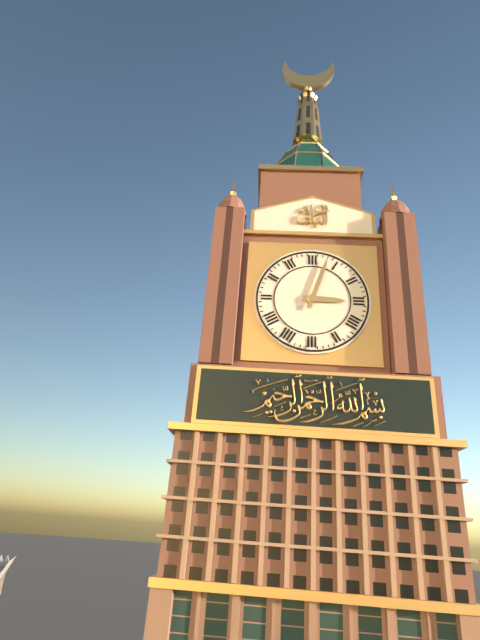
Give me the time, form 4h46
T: 3h03
